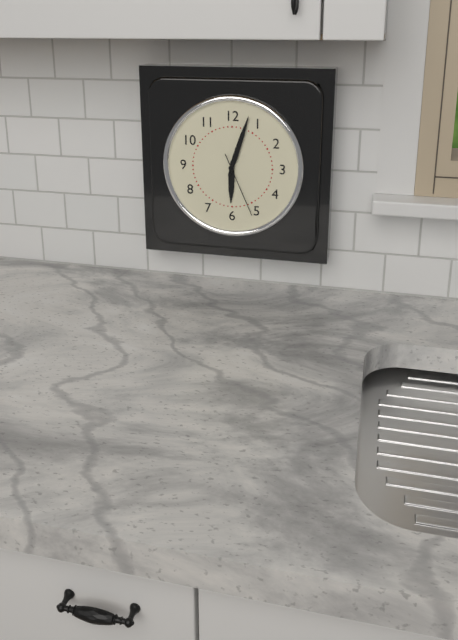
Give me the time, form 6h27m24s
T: 6h03m26s
